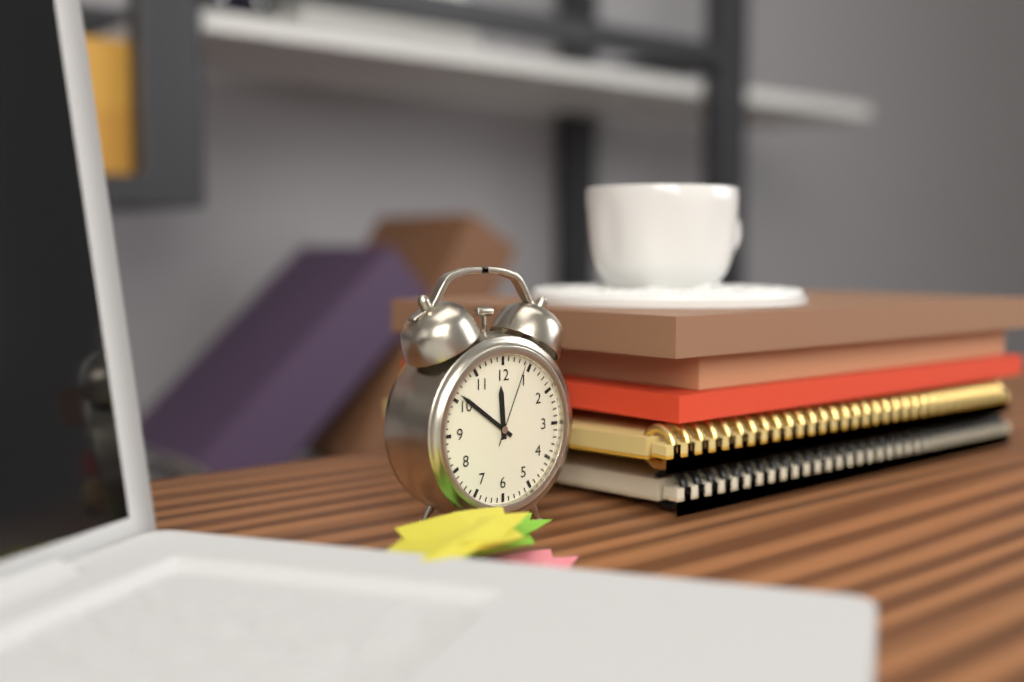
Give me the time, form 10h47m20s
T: 11h51m04s
